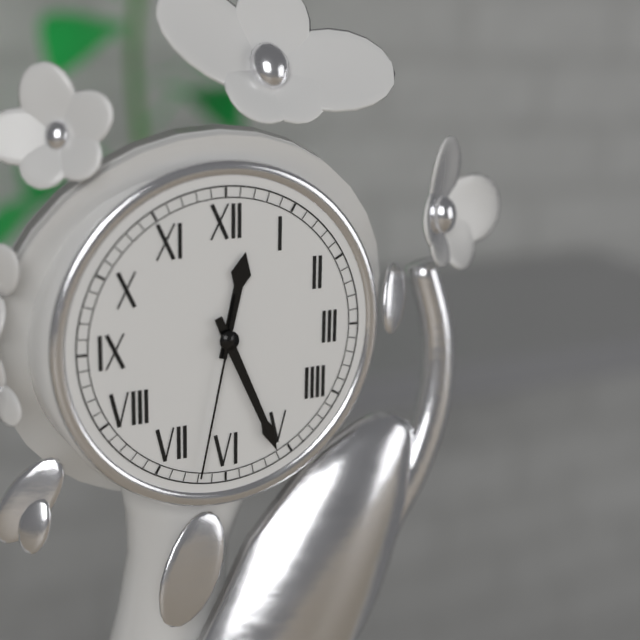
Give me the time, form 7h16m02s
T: 12h26m32s
